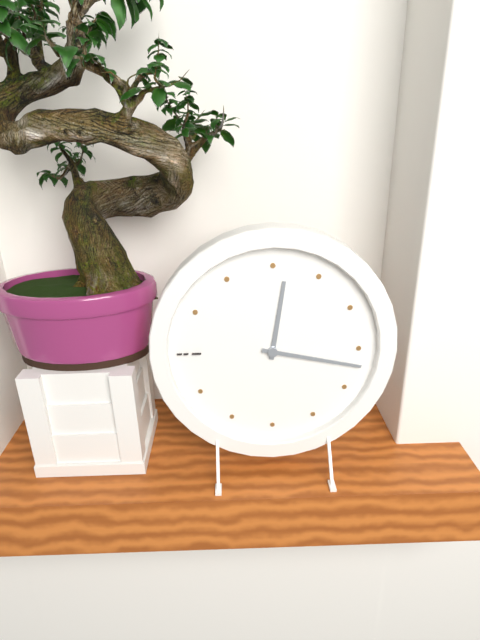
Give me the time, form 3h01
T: 12h17
